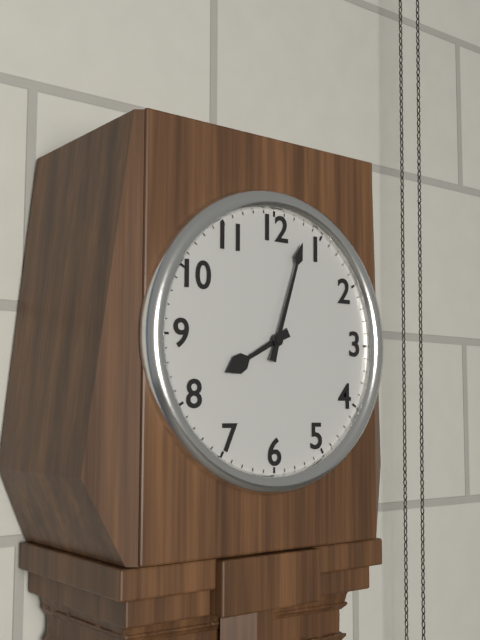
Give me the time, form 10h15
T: 8h03
